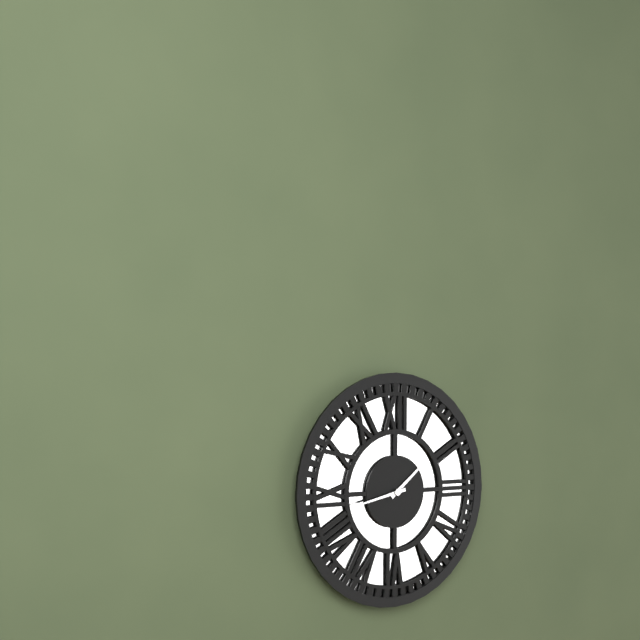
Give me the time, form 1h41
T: 1h43
